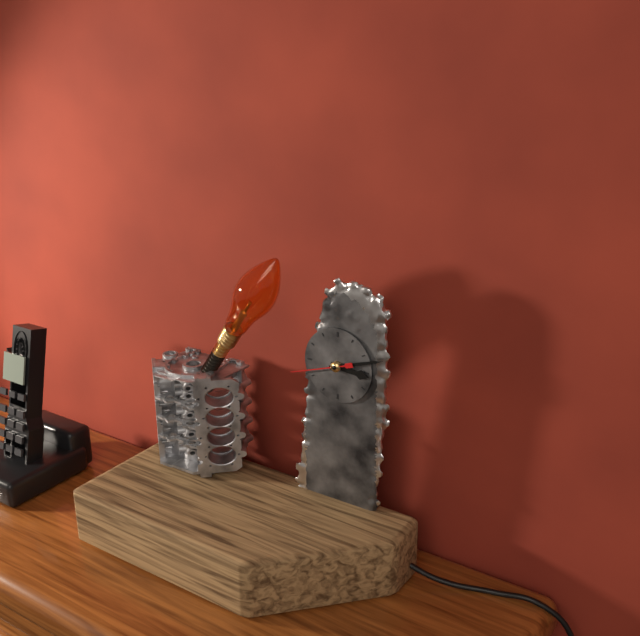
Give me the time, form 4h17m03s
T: 3h12m42s
